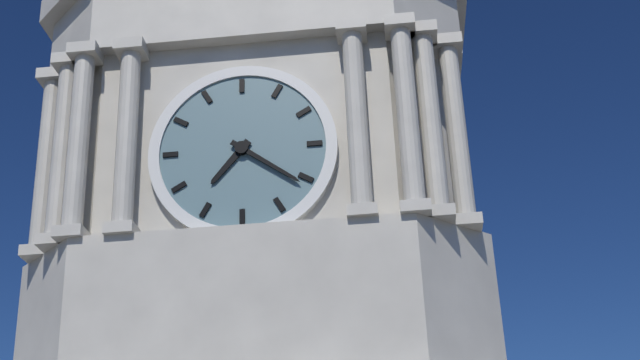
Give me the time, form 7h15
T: 7h21
